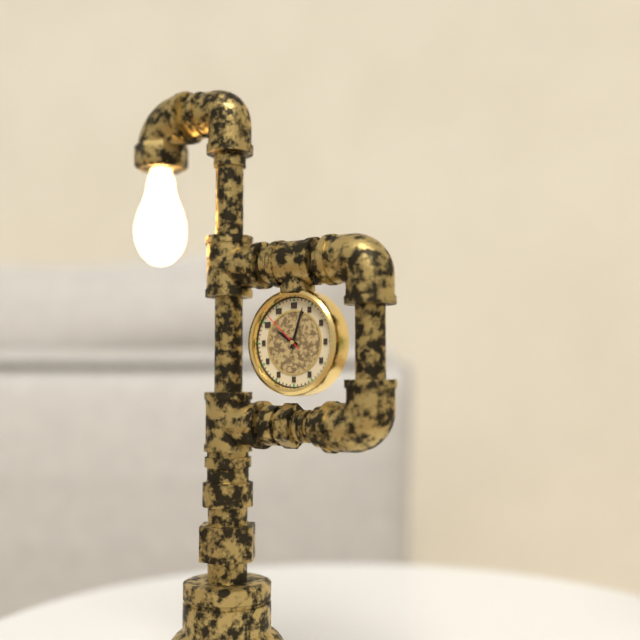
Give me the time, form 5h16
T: 10h03
